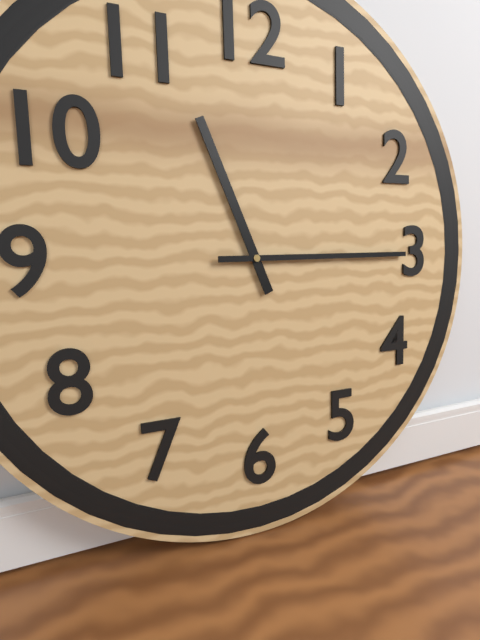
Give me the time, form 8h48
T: 11h15
